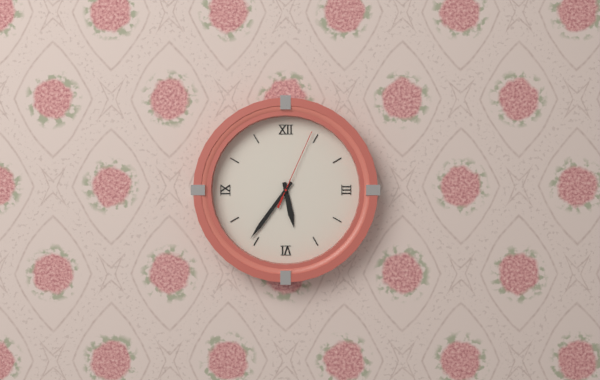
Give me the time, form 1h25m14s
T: 5h36m04s
